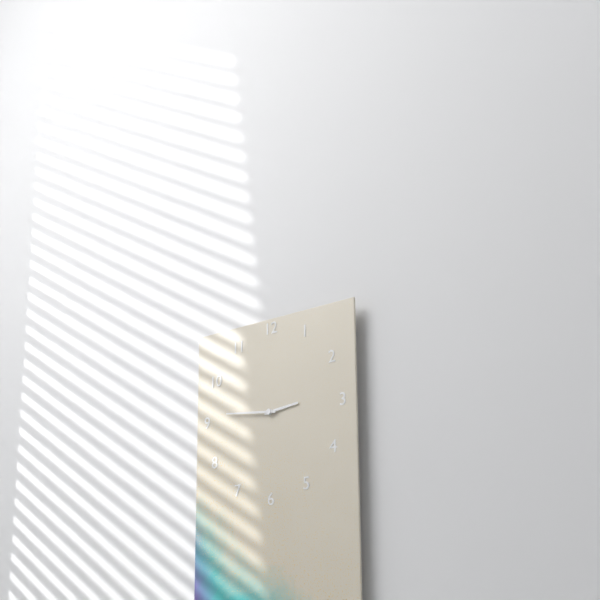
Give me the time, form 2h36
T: 2h46
